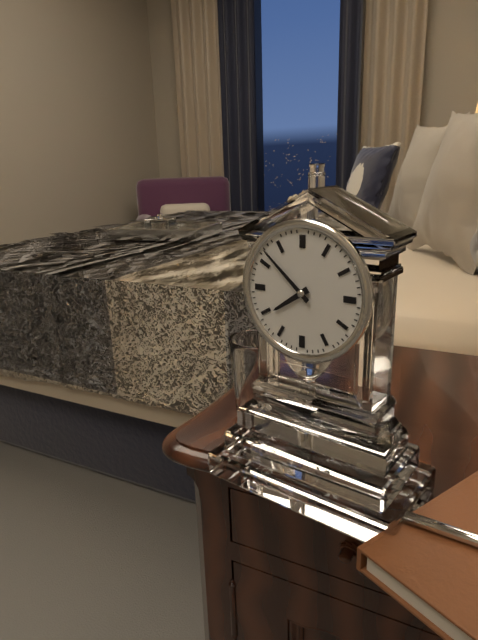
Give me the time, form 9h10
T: 7h52
